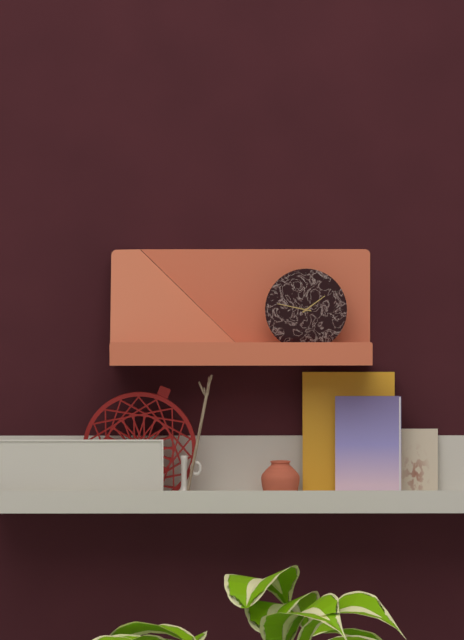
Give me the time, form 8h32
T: 1h47
